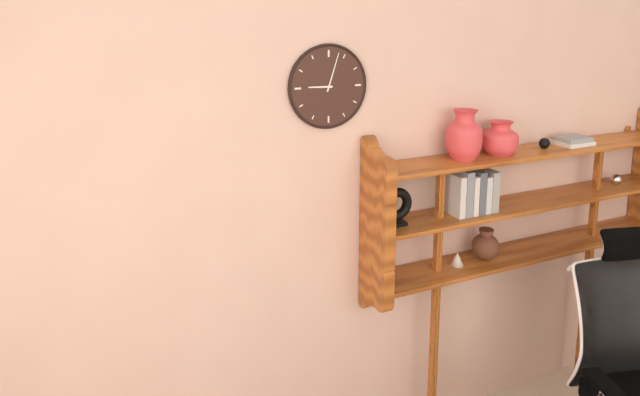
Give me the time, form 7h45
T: 9h03
